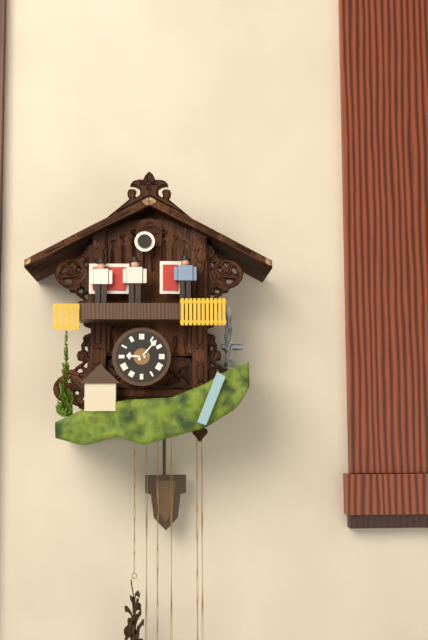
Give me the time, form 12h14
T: 9h07
